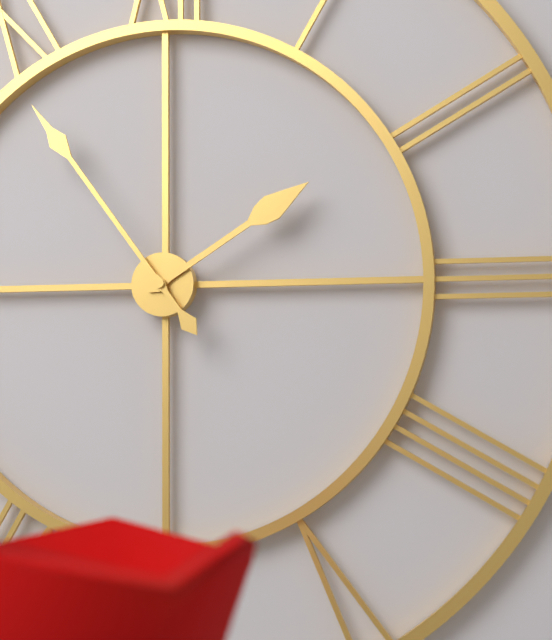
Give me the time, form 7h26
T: 1h54
